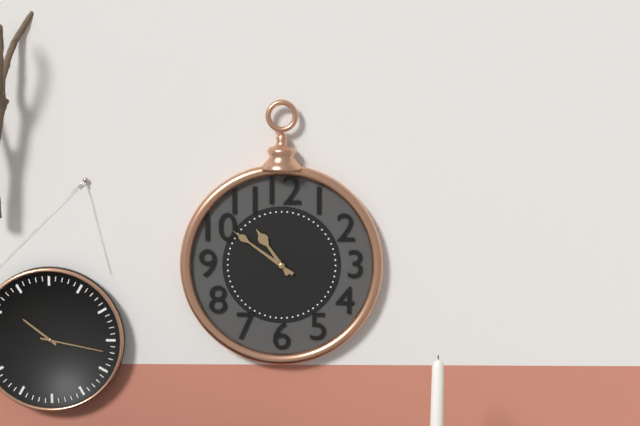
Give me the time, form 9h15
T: 10h51
